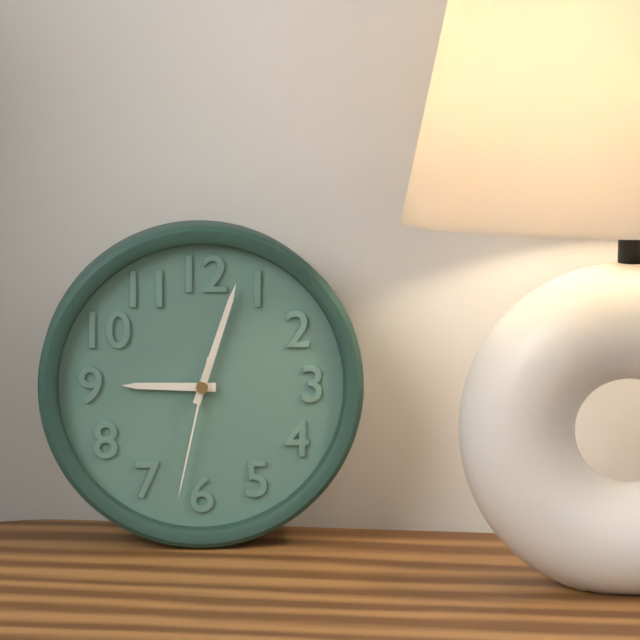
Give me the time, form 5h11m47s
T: 9h03m32s
